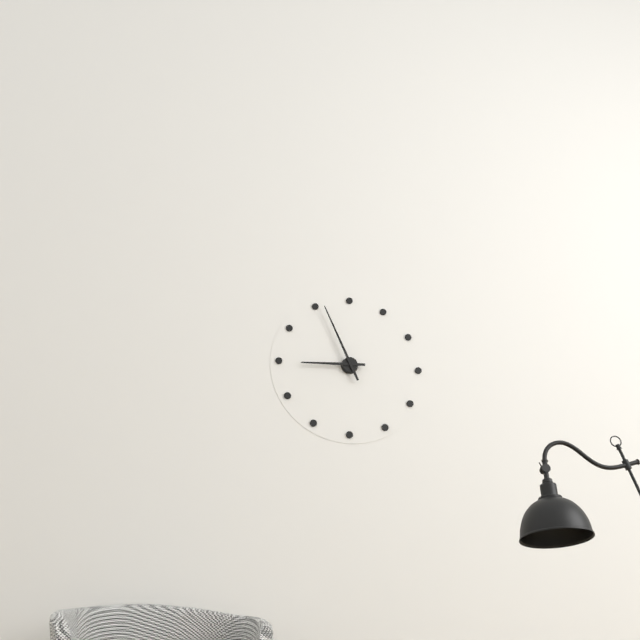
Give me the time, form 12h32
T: 8h56
